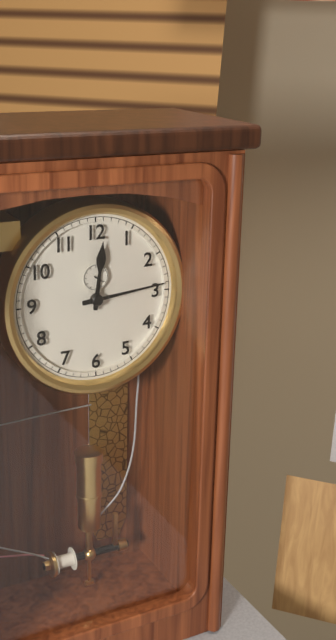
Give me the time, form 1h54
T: 12h14
